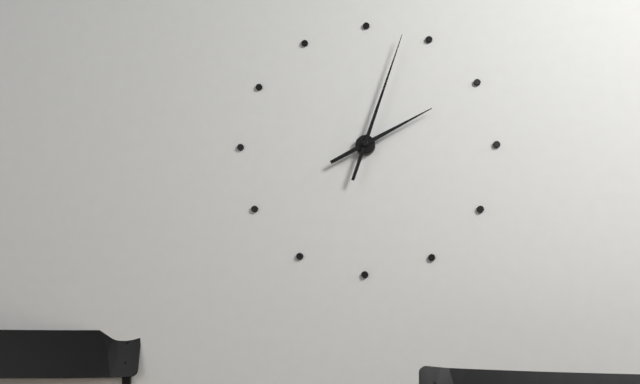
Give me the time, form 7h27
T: 2h03
